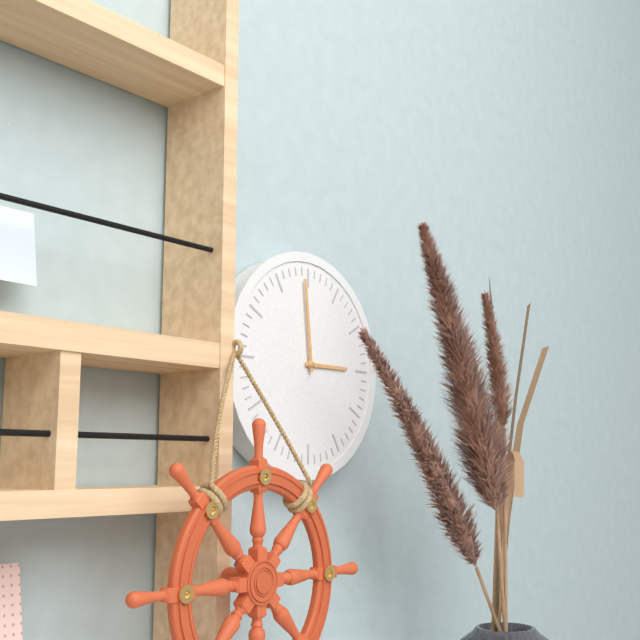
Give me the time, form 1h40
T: 2h59
